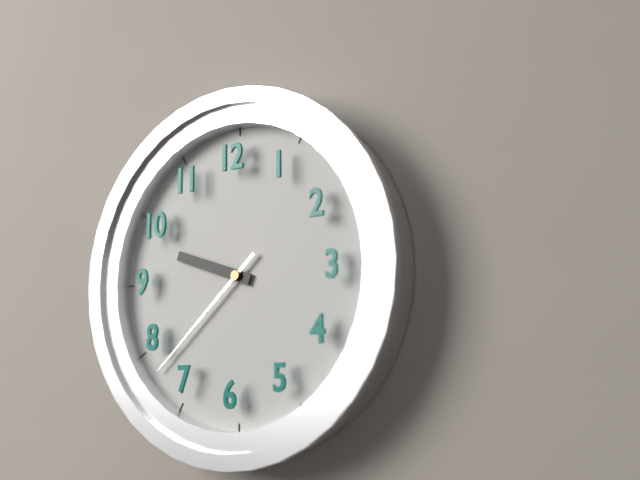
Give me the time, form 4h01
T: 9h38
